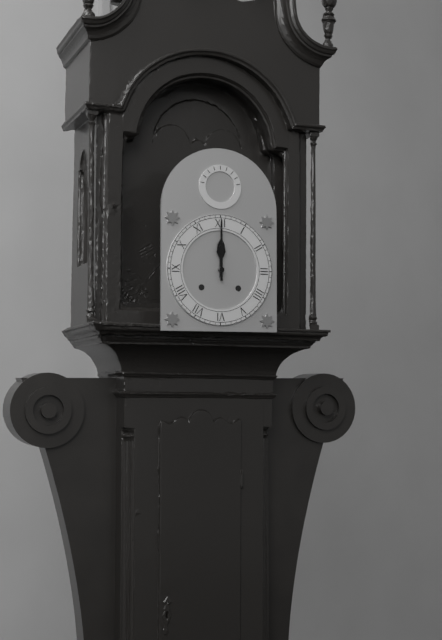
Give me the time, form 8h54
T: 12h00
